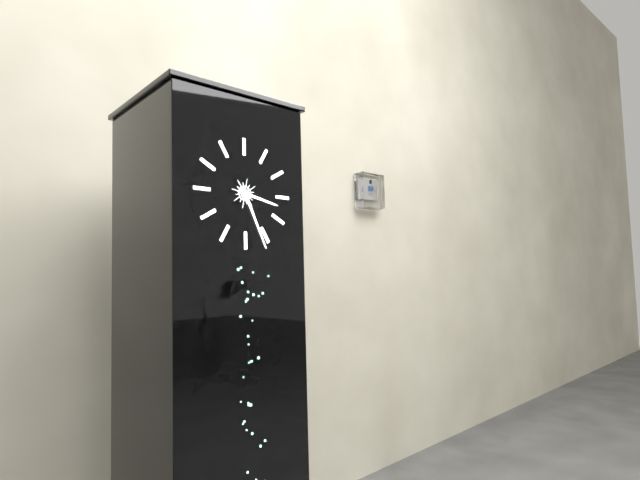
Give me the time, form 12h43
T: 3h26
